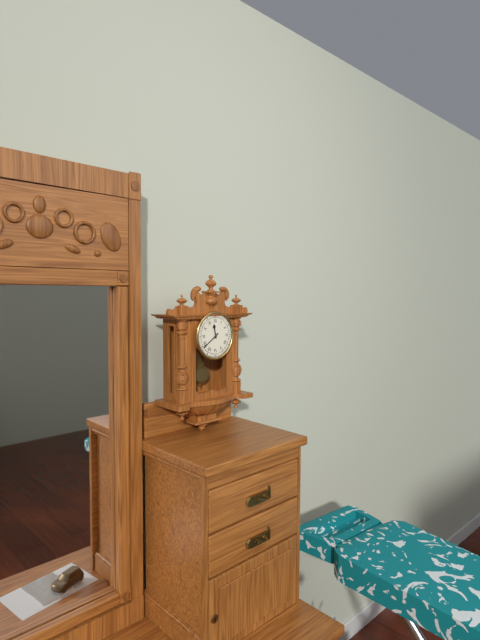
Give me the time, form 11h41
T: 11h39
